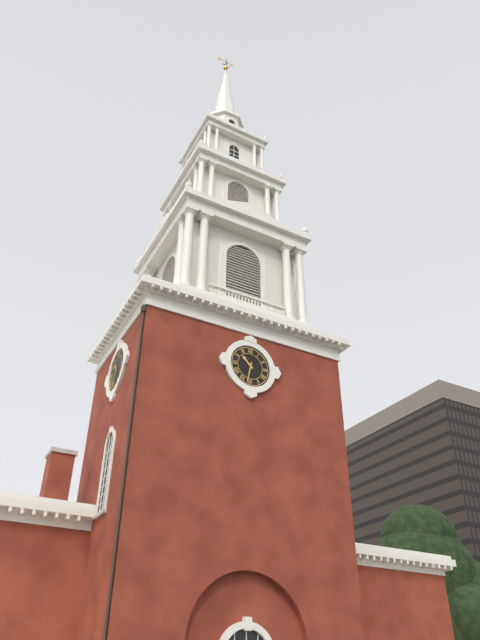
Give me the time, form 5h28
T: 10h32
